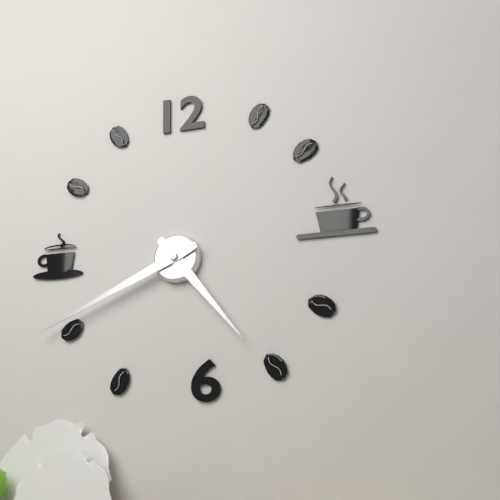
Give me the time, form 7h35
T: 4h41
